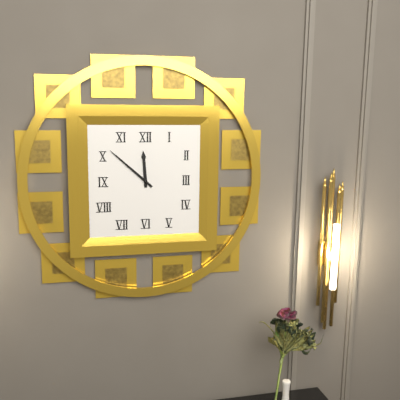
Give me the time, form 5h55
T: 11h52
